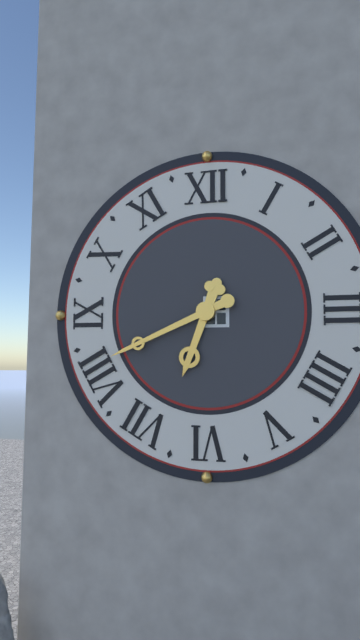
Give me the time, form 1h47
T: 6h41
